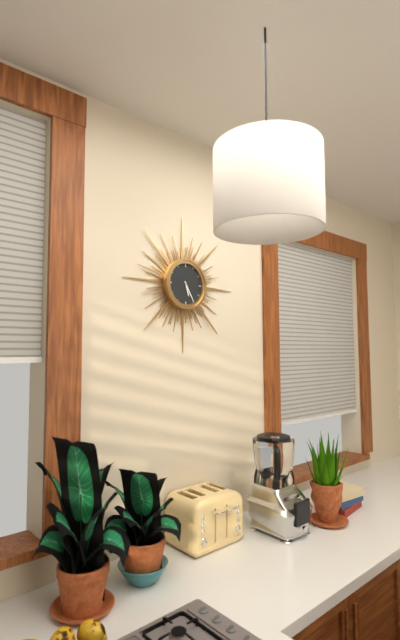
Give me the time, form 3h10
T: 5h25
